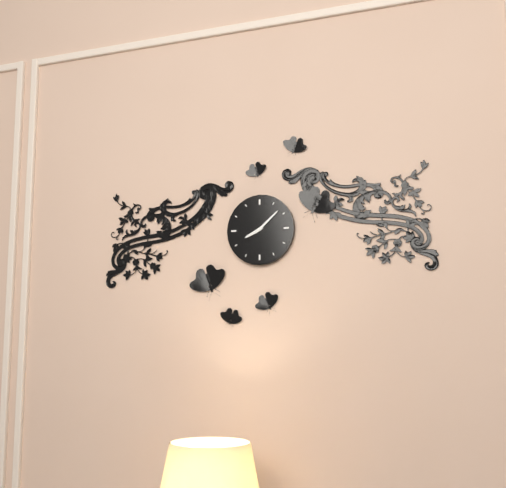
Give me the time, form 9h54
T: 8h08
